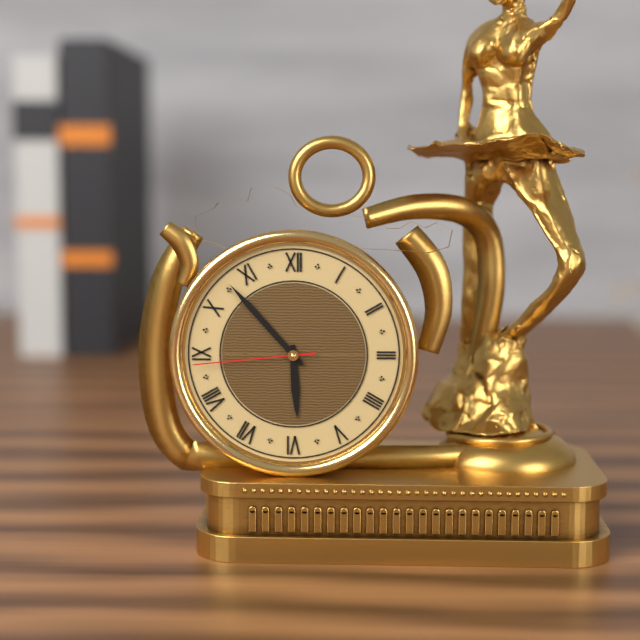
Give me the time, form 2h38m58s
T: 5h53m44s
